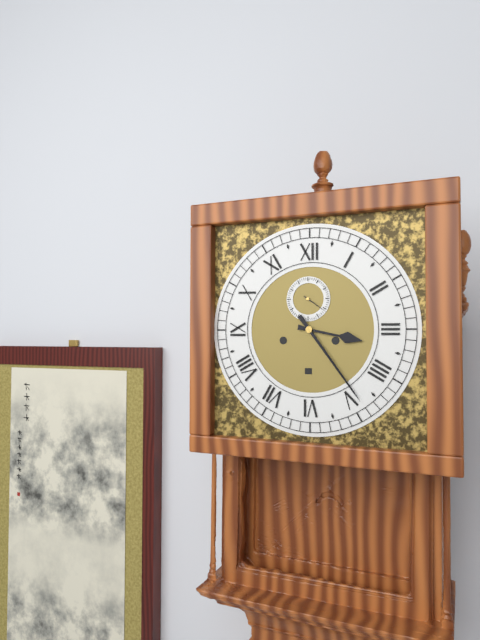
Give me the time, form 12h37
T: 3h24
